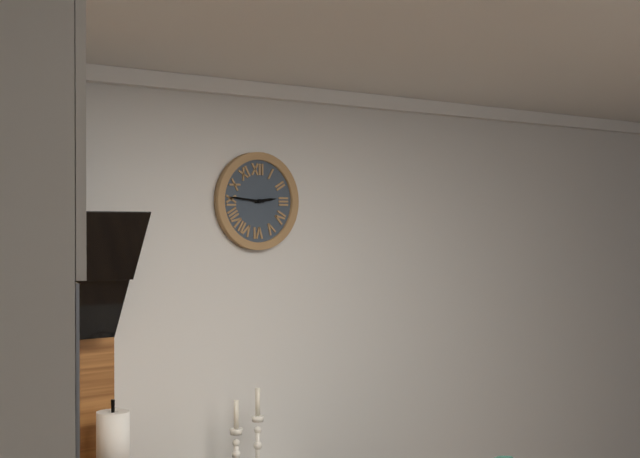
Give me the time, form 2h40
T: 2h46
